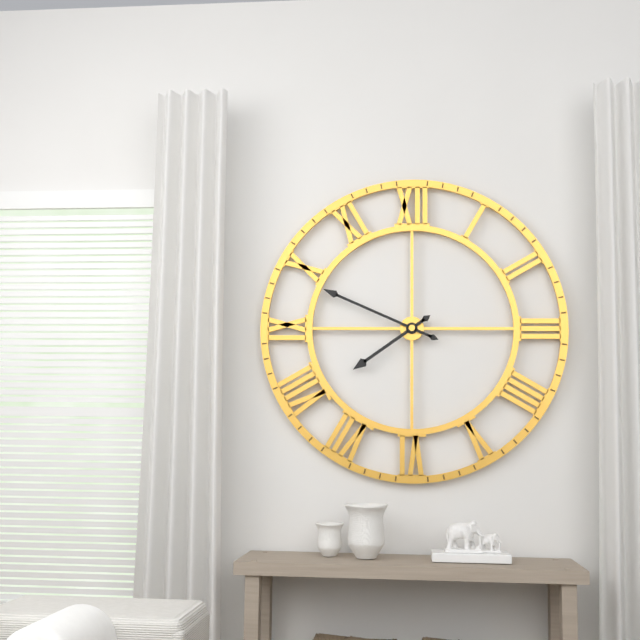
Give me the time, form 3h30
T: 7h49
